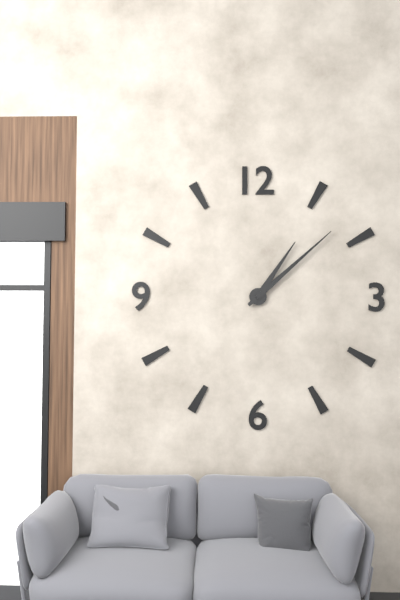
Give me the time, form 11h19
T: 1h08
